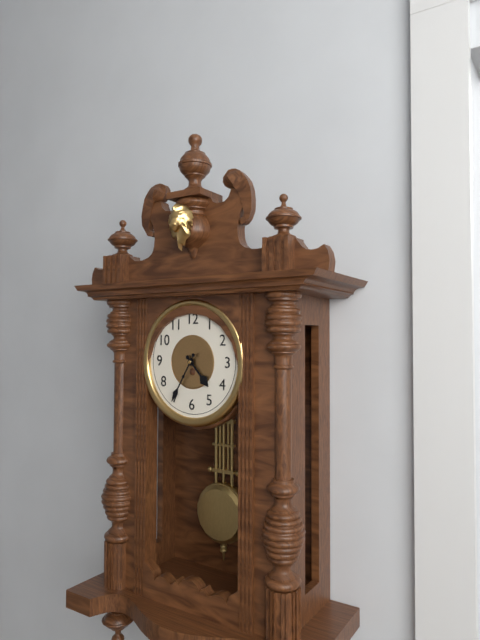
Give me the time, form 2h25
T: 4h35
